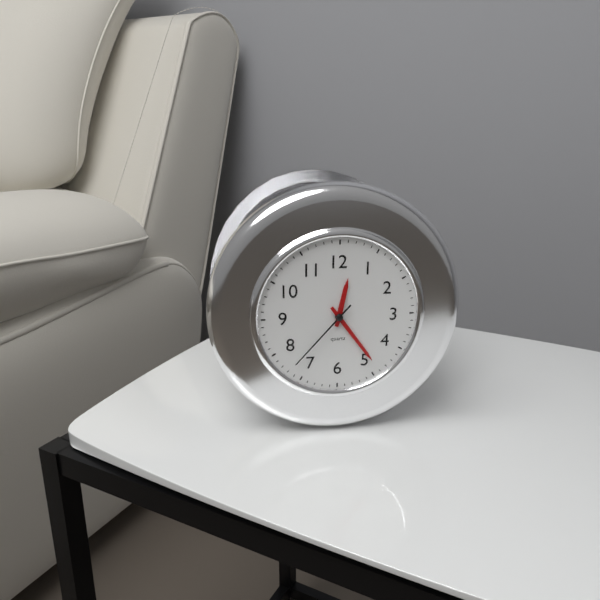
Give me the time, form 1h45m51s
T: 12h24m37s
